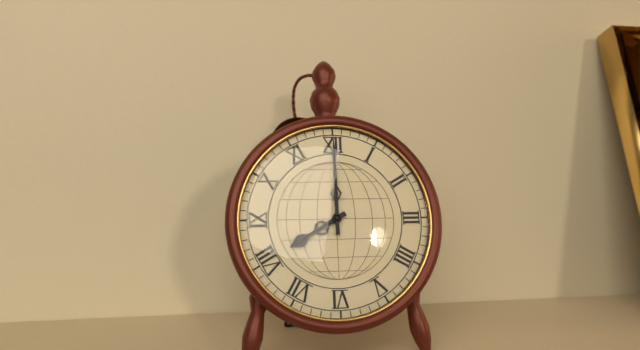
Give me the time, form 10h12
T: 8h00
